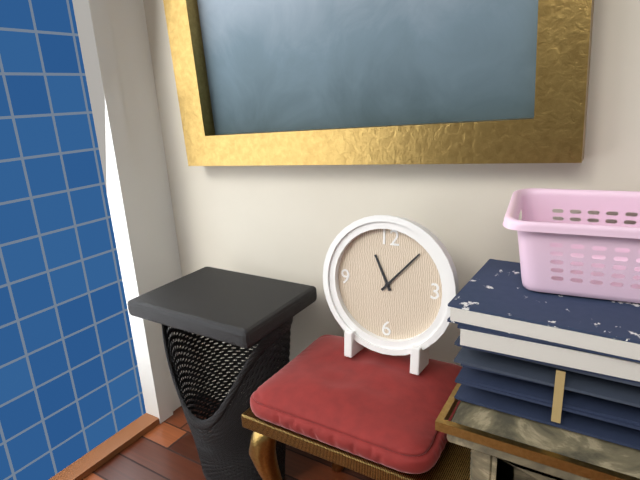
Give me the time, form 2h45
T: 11h07
